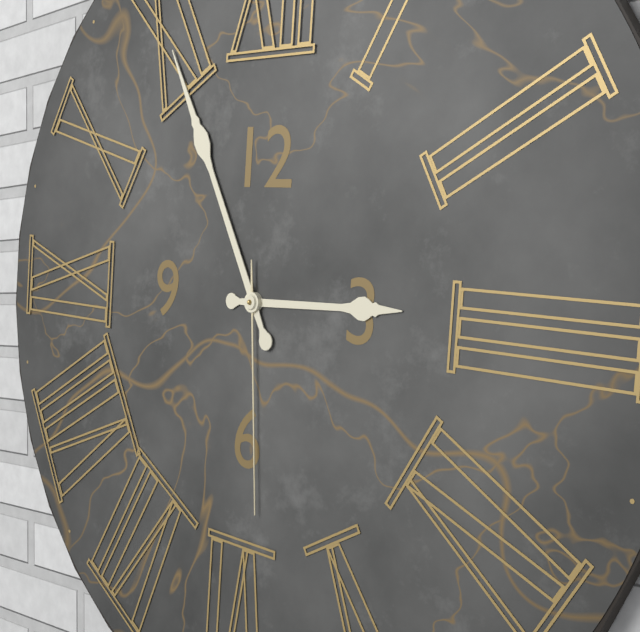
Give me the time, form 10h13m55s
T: 2h55m29s
